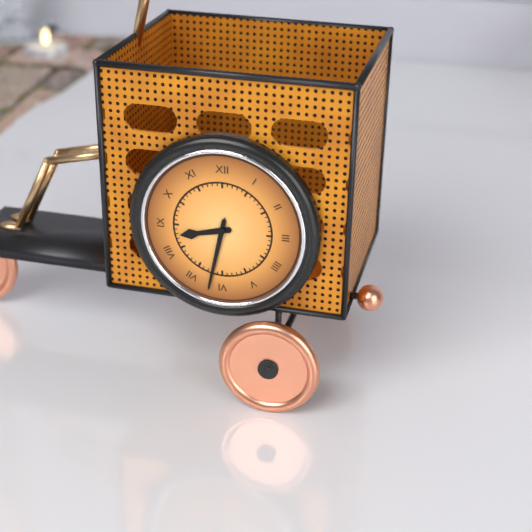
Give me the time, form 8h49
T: 8h32
